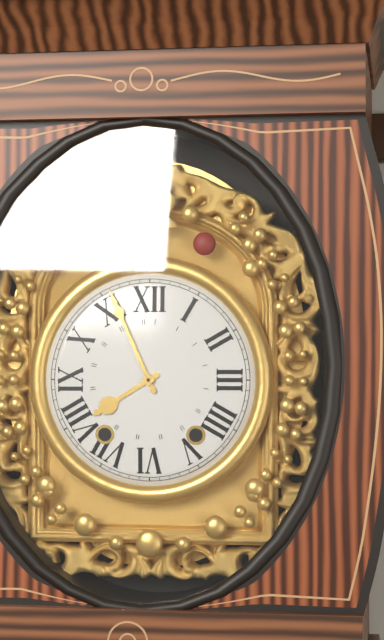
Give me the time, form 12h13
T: 7h56
